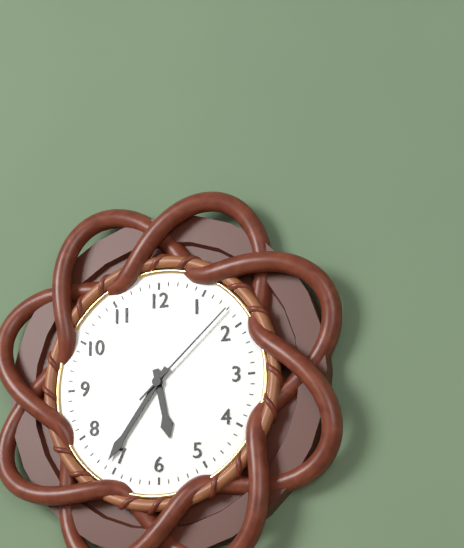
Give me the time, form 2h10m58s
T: 5h36m08s
